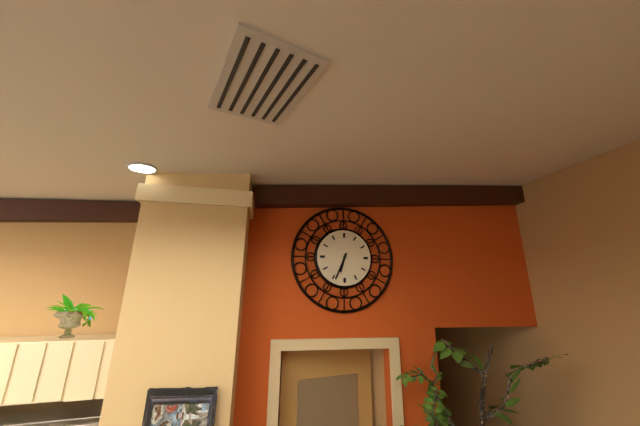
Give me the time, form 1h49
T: 6h34
